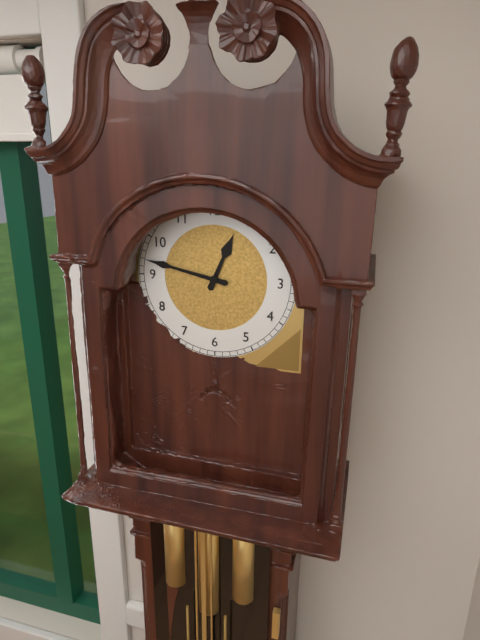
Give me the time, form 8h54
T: 12h47
